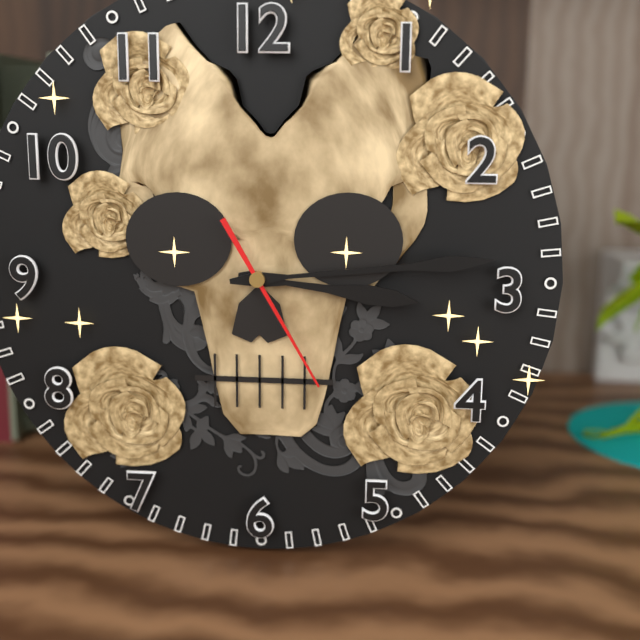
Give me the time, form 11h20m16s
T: 3h14m25s
